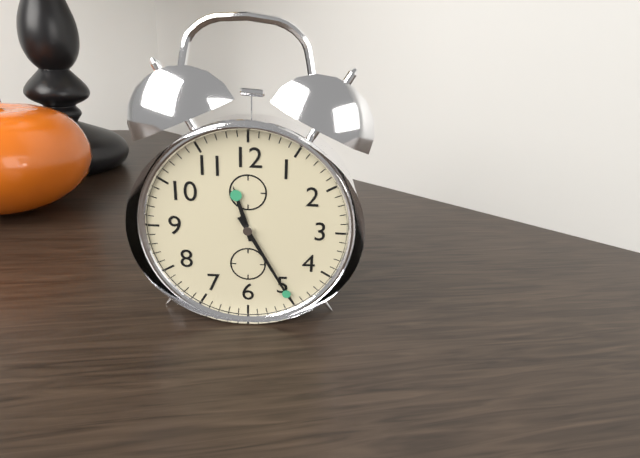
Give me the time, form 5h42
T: 11h25
